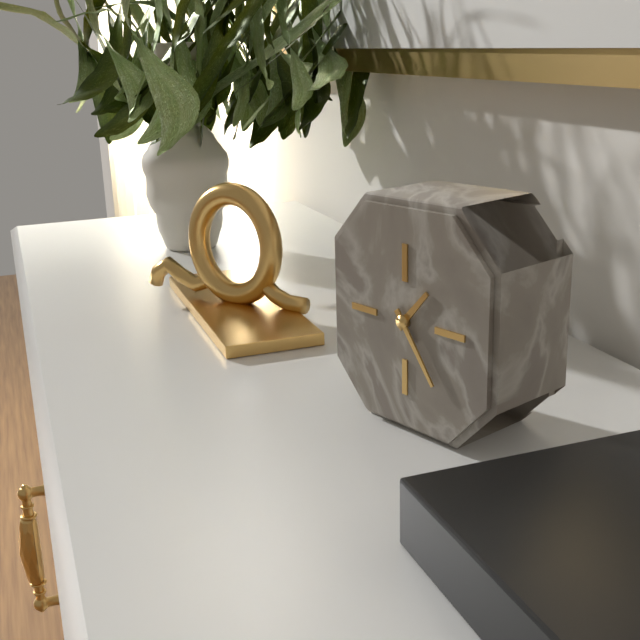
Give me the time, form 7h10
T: 1h24
